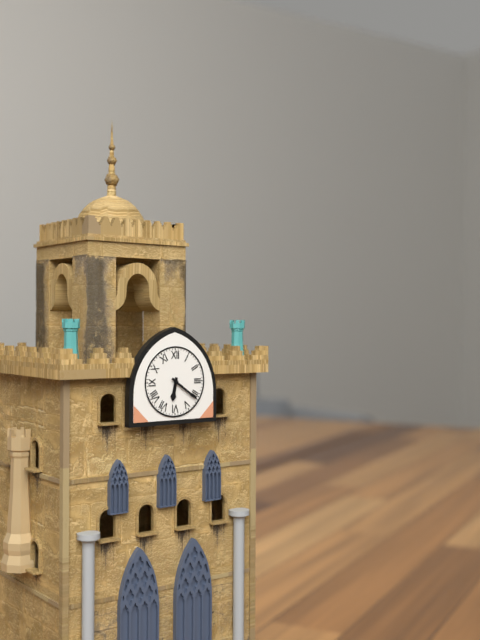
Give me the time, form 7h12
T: 6h21
